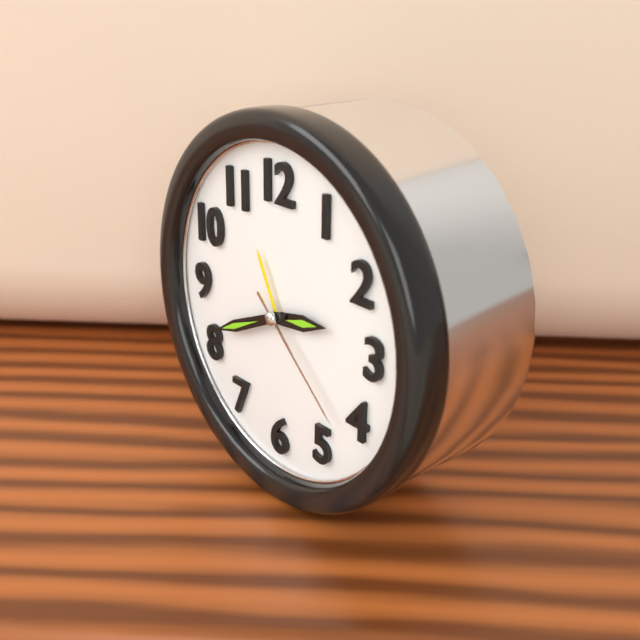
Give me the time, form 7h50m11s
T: 2h41m22s
